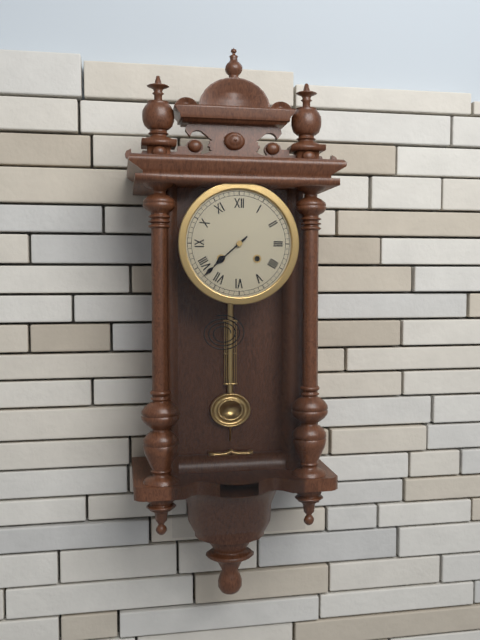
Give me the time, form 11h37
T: 7h38
